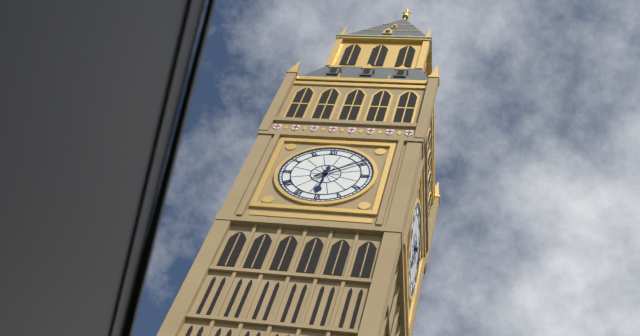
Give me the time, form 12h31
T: 6h09
